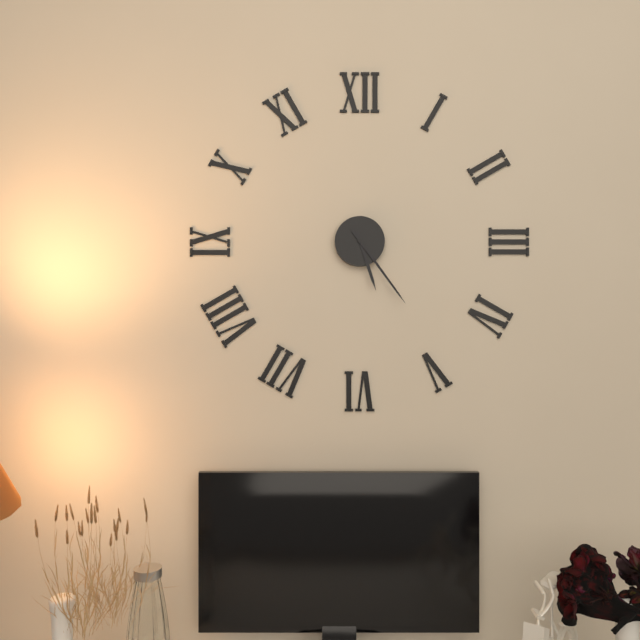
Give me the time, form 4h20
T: 5h24
